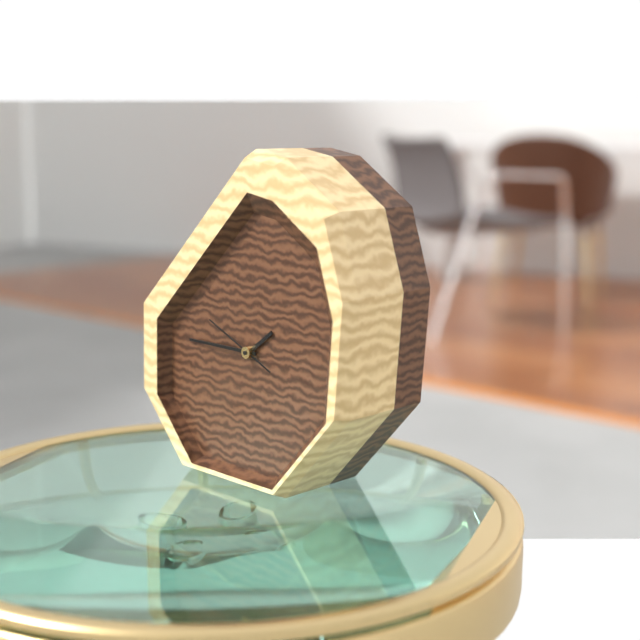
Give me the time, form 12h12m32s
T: 1h45m49s
